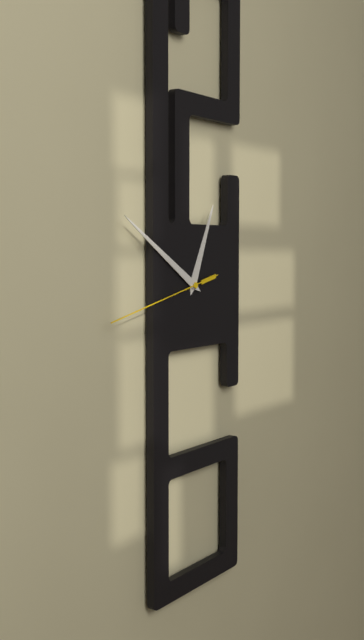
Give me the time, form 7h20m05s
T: 12h50m43s
